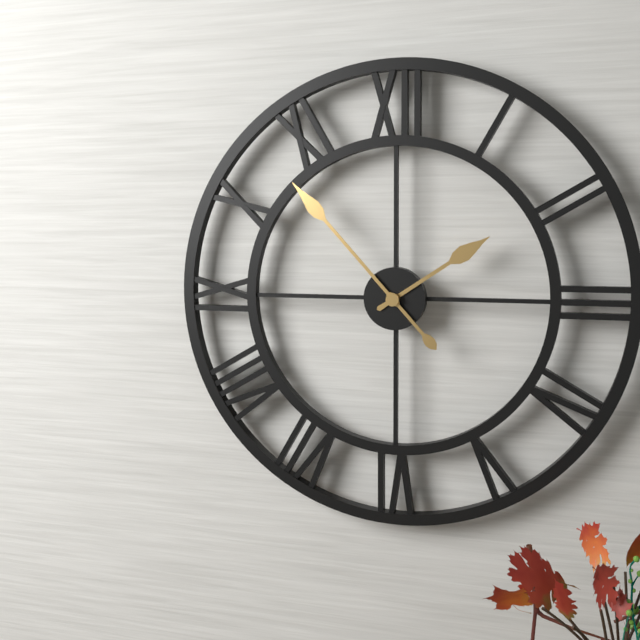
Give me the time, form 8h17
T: 1h53
